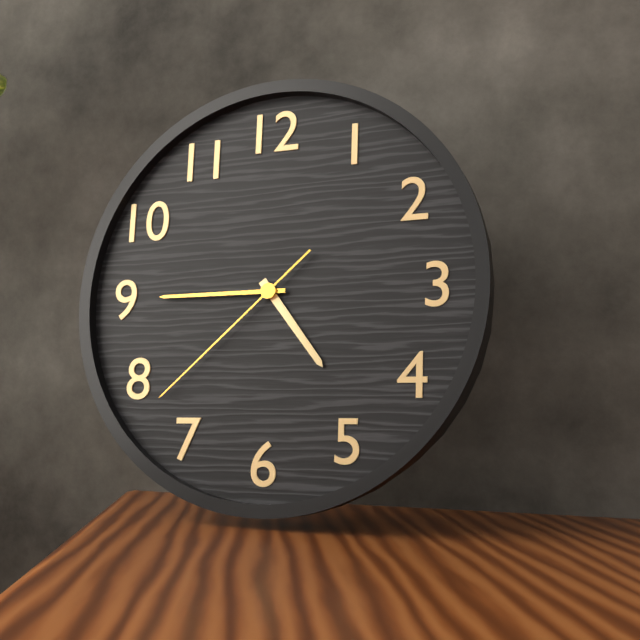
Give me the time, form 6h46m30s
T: 4h45m38s
